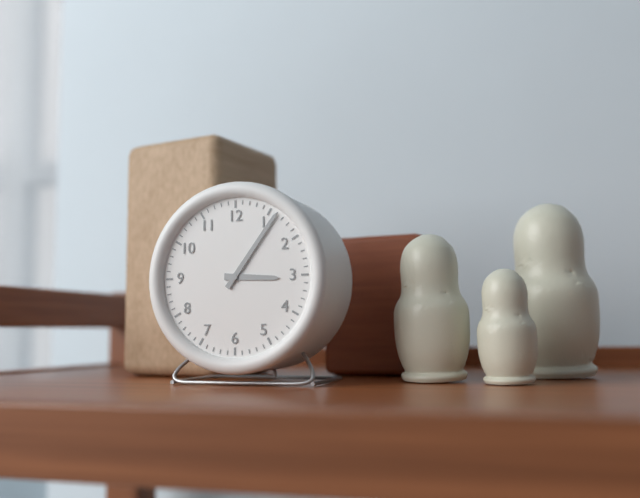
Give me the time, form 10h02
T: 3h06
